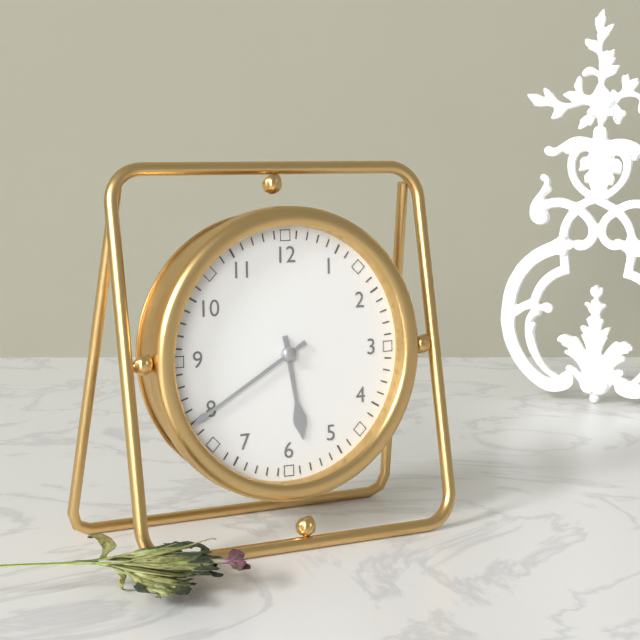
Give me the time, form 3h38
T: 5h40
